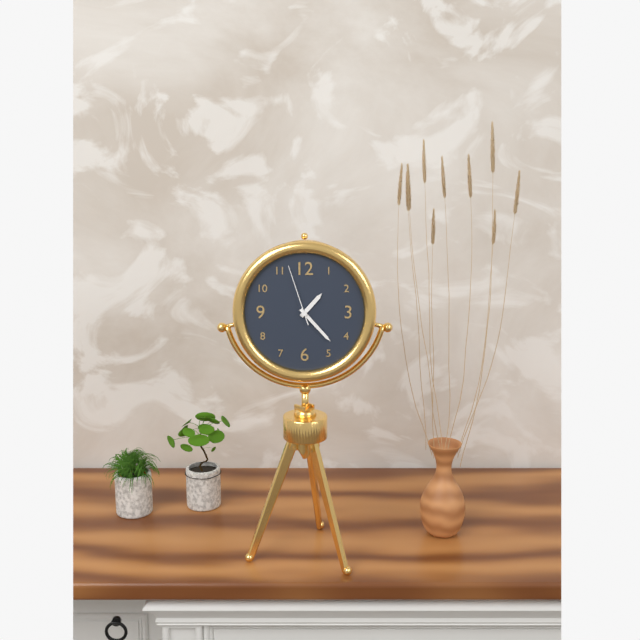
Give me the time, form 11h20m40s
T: 1h23m57s
